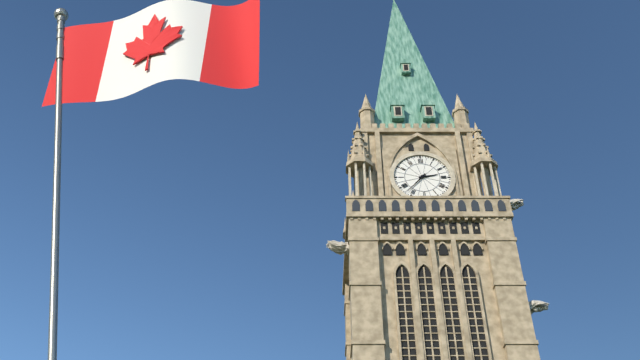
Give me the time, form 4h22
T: 2h37
